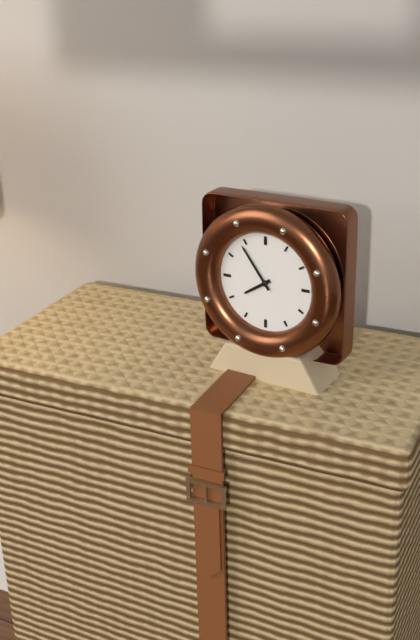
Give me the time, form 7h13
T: 7h54
